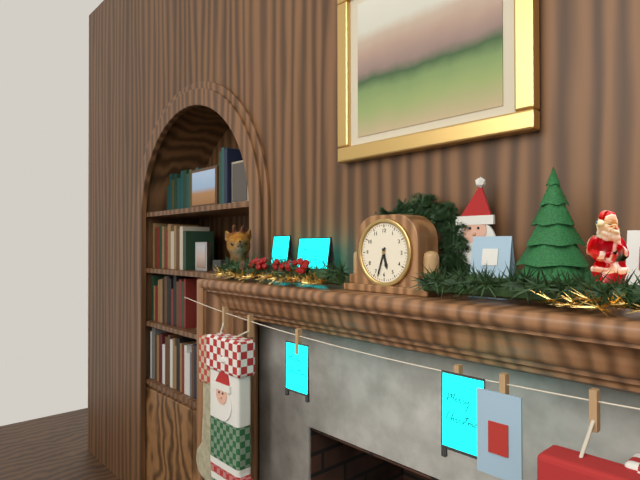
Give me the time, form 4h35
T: 5h33
